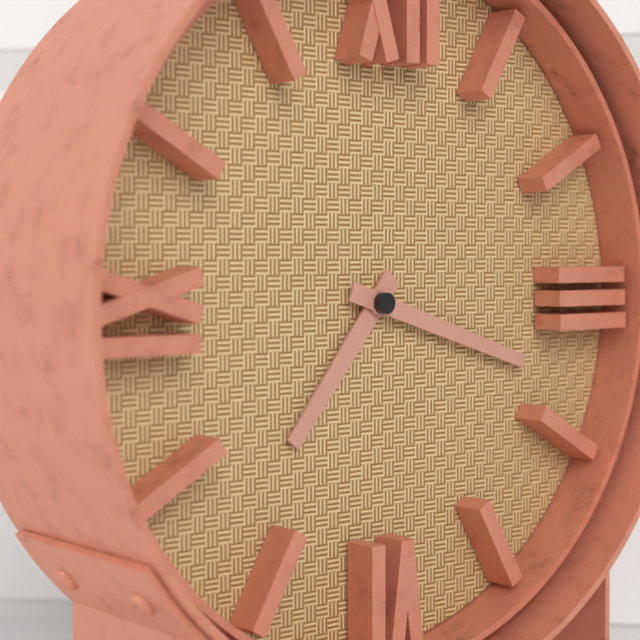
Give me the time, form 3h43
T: 7h18
